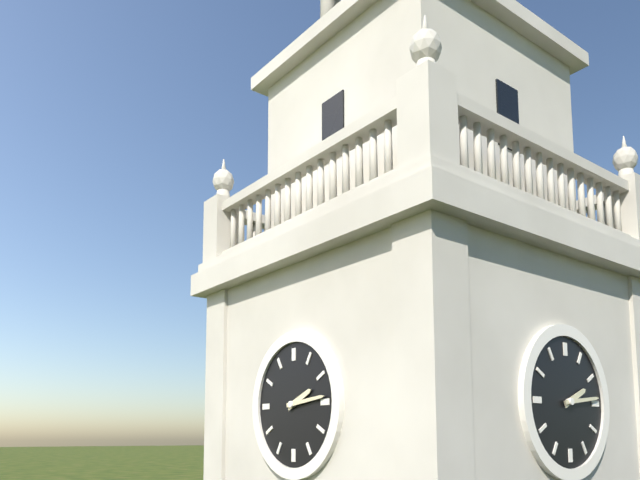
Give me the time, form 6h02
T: 2h14
